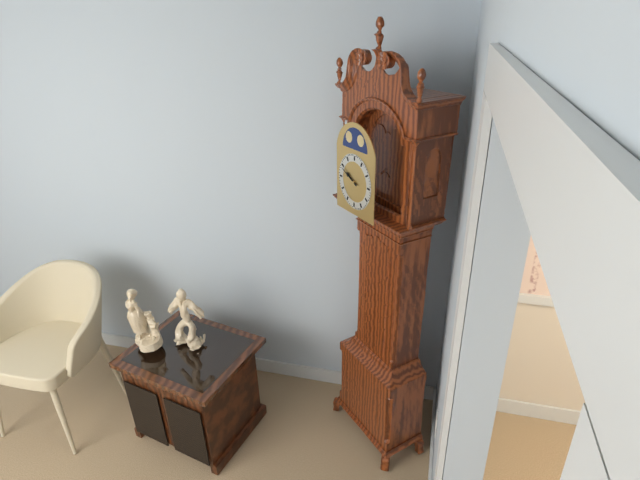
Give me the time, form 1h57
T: 9h49
